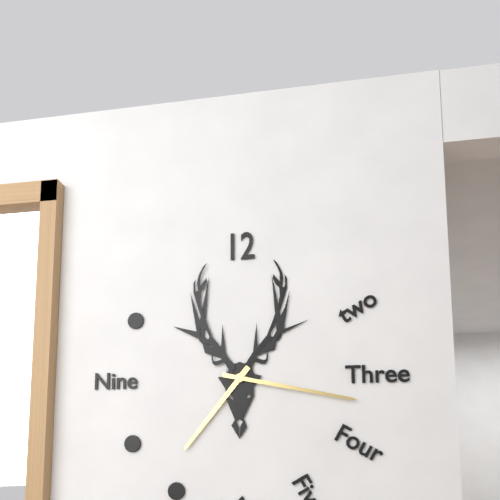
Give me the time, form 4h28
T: 7h17
